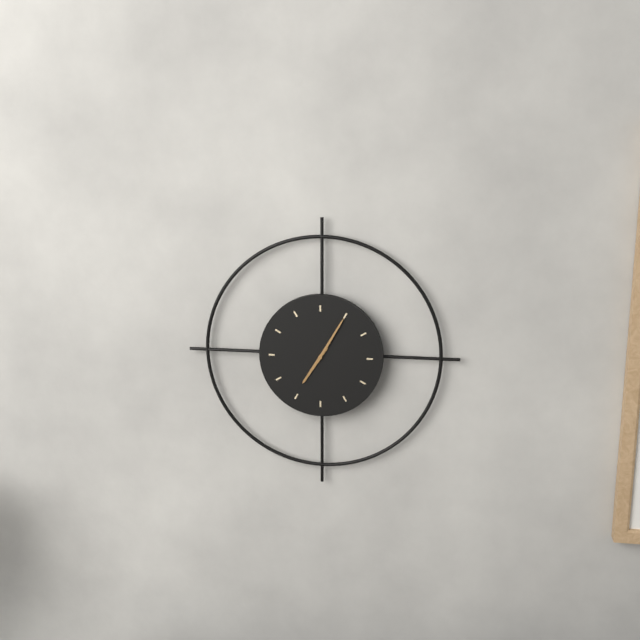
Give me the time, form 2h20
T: 7h05
